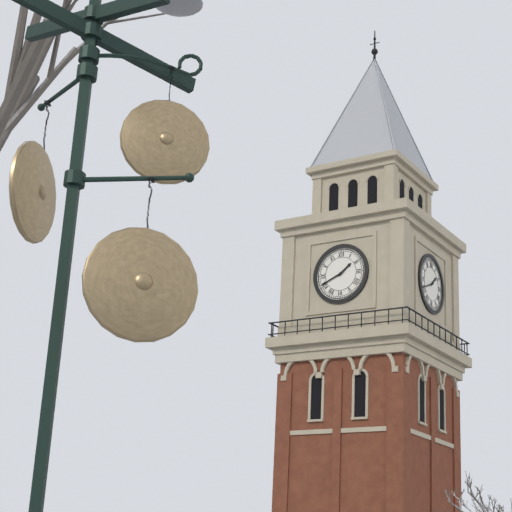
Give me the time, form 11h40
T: 1h41
